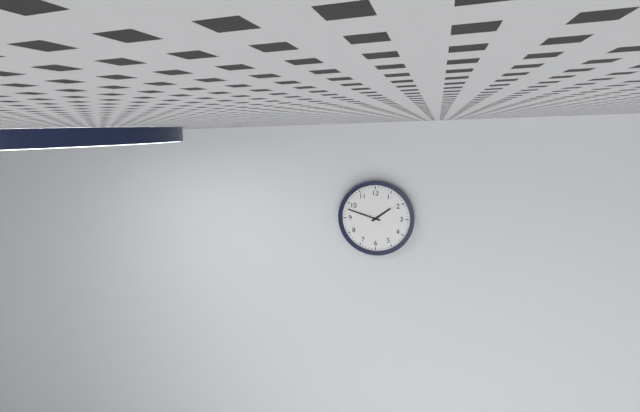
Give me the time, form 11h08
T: 1h48
